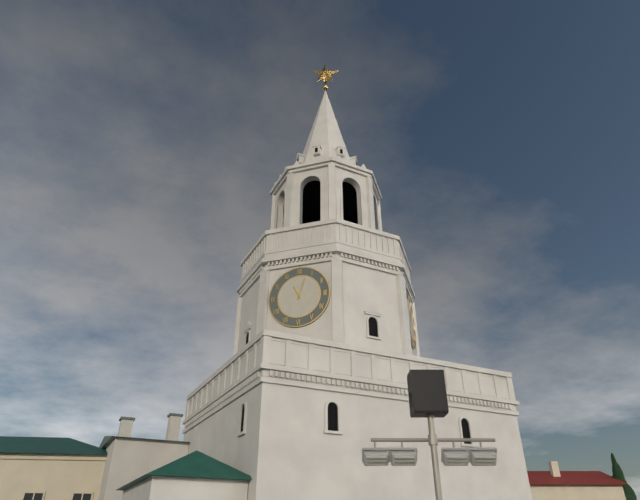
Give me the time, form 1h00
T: 11h03
